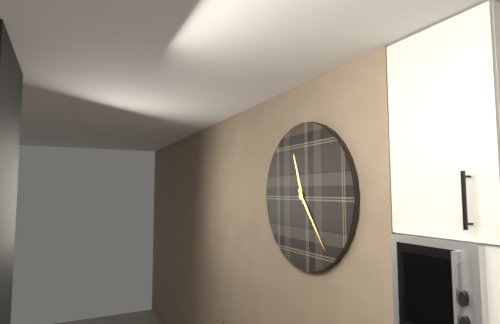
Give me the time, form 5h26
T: 11h24
